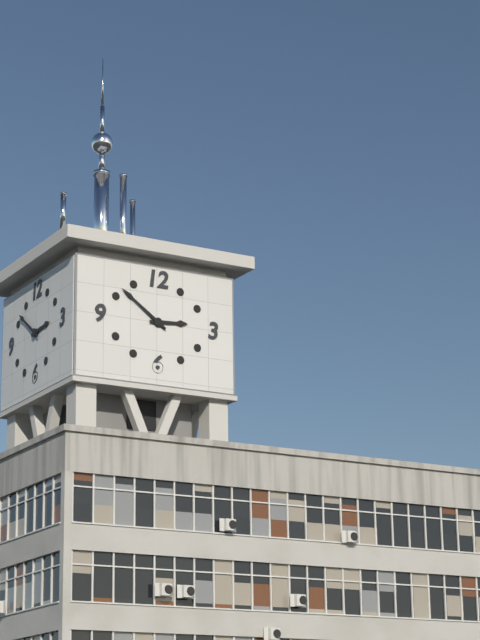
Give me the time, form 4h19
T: 2h51
